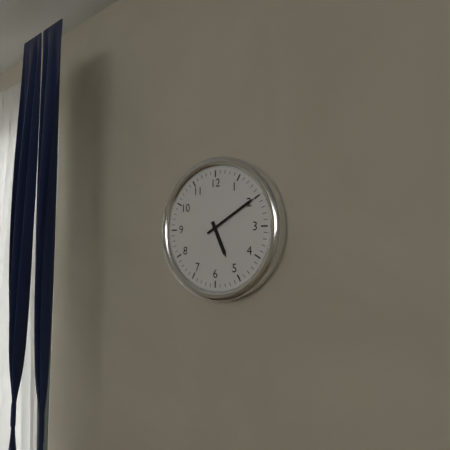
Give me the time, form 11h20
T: 5h10
